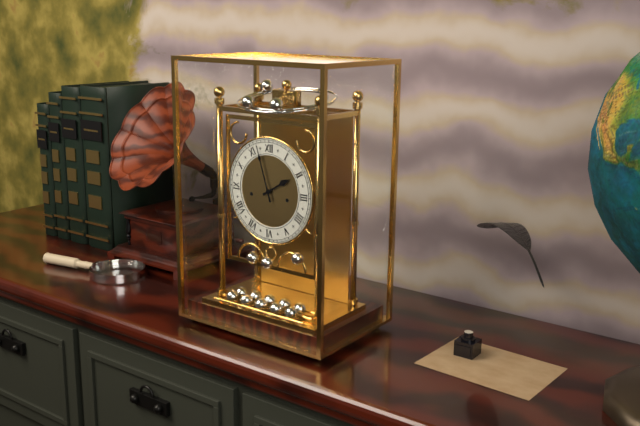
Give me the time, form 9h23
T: 1h57
